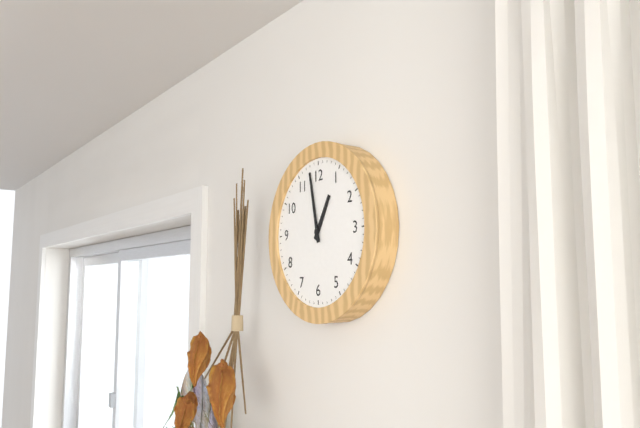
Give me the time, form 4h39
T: 12h58
